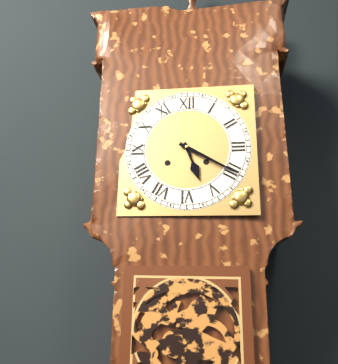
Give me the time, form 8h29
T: 5h20
